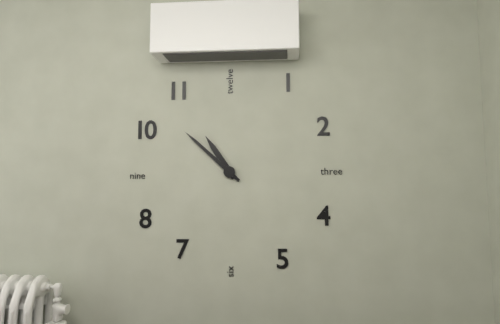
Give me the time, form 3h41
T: 10h52
